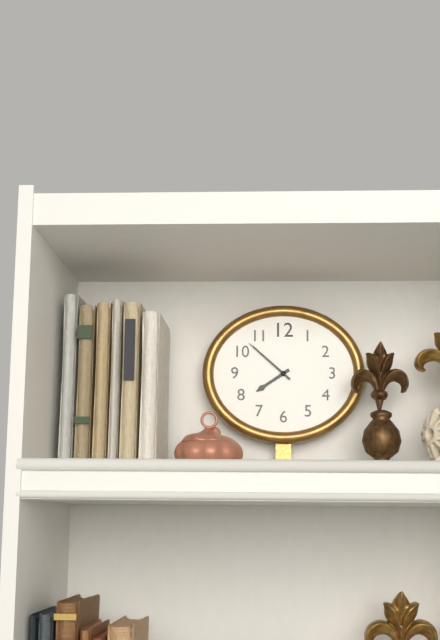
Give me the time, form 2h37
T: 7h52
